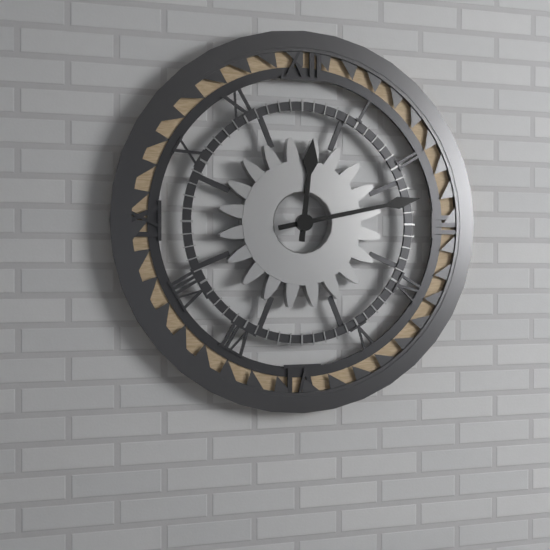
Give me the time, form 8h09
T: 12h13
